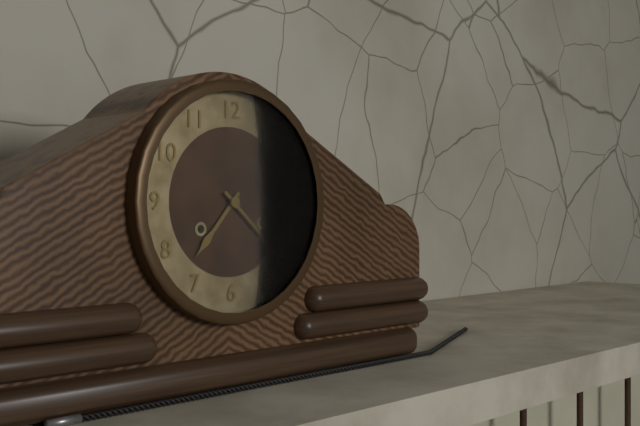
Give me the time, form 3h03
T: 7h22
